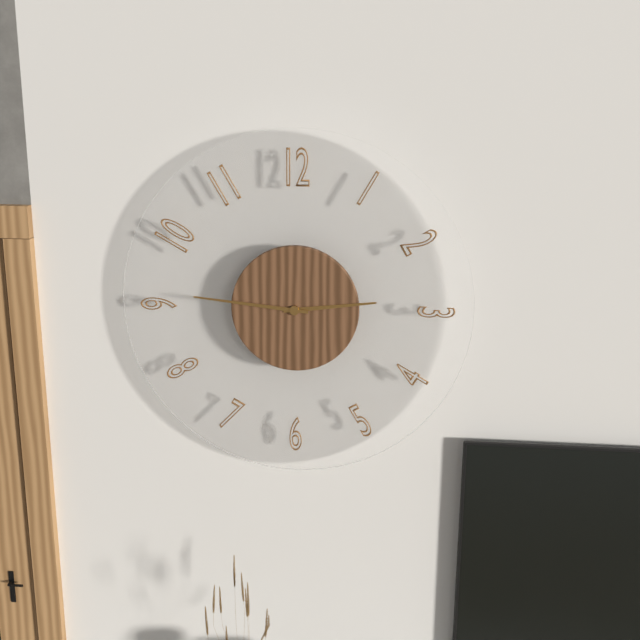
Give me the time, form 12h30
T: 2h46
